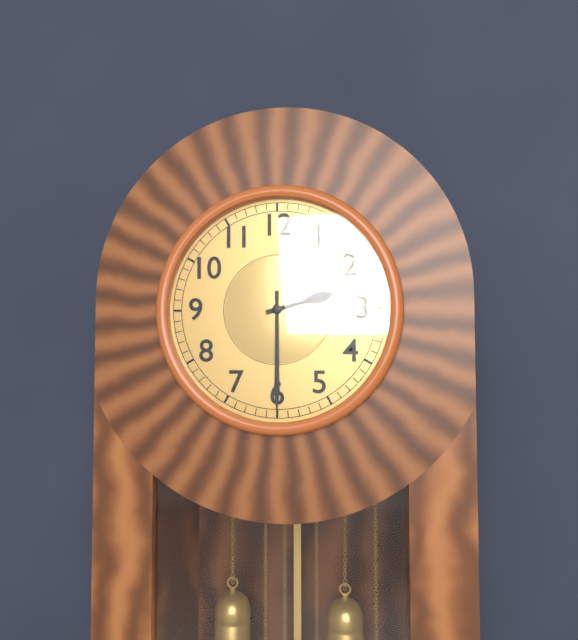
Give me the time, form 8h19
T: 2h30
